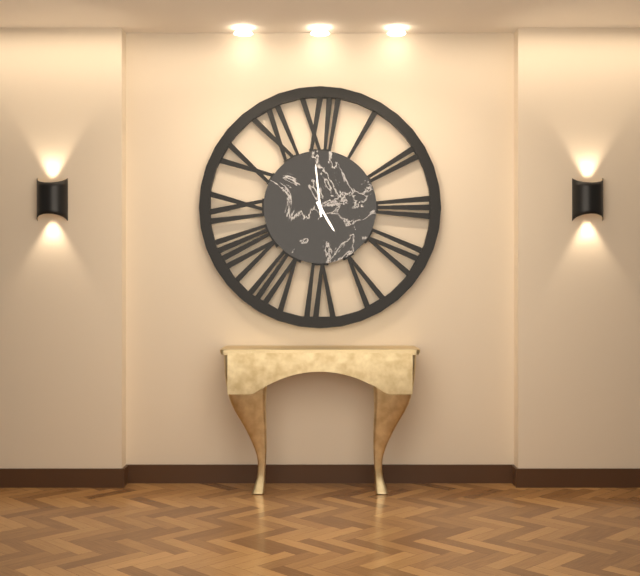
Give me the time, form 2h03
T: 4h59
